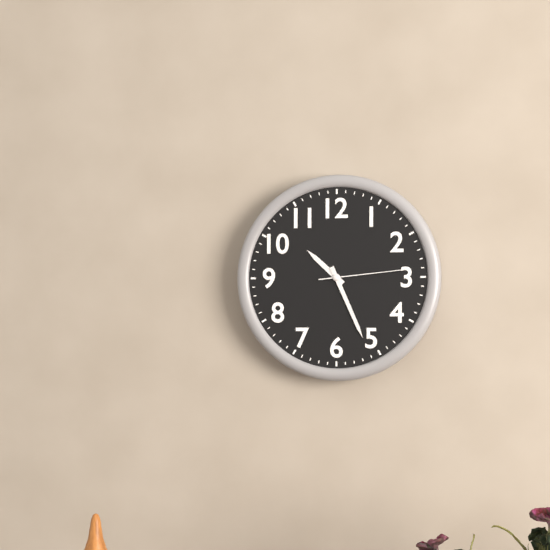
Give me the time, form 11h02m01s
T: 10h26m14s
